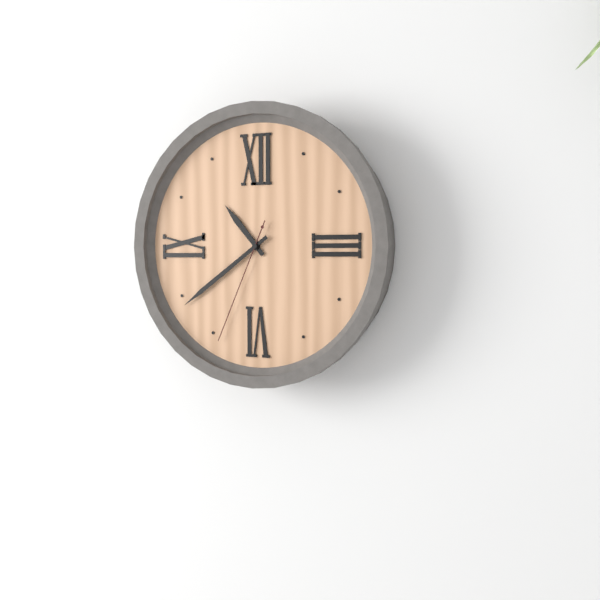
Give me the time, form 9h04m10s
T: 10h39m34s
